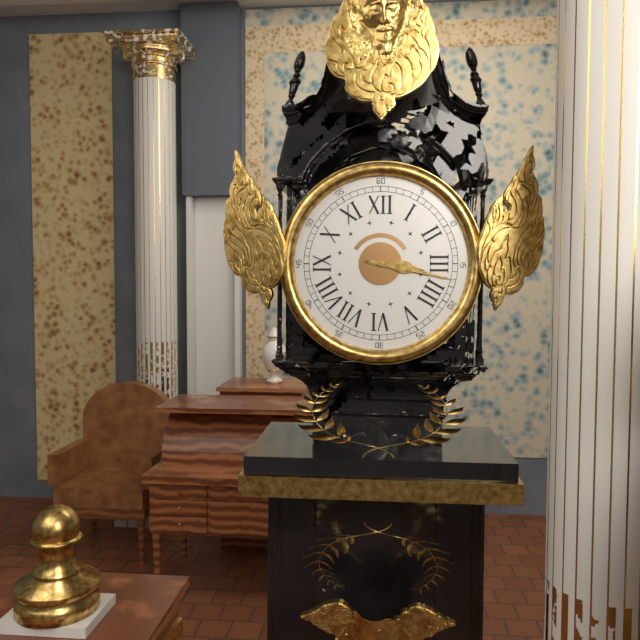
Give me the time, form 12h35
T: 3h17
